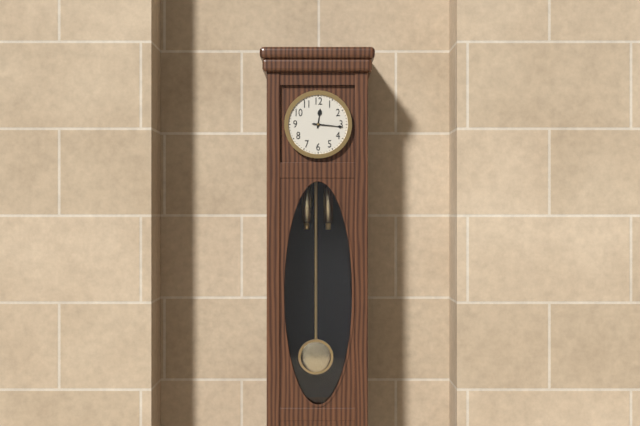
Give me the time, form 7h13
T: 12h16
